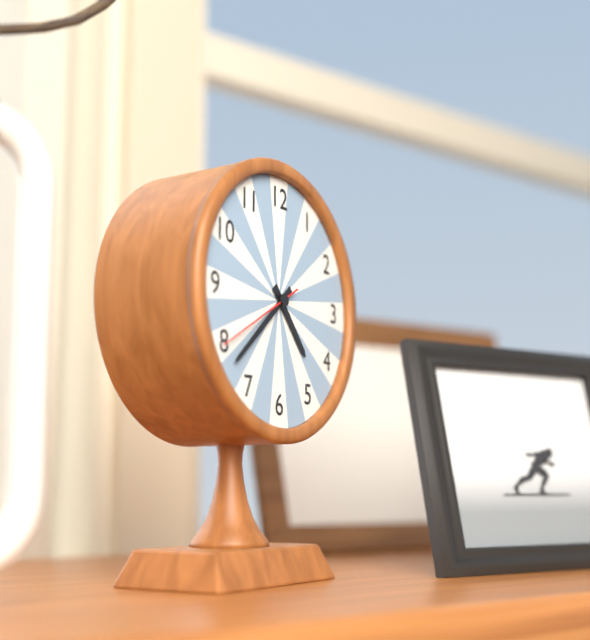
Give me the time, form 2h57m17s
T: 4h38m40s
